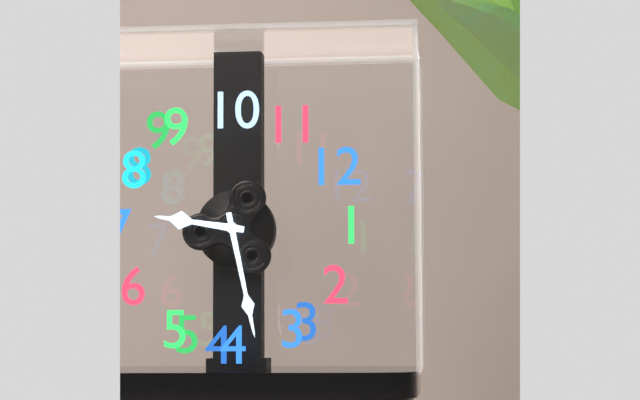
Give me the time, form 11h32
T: 7h18
